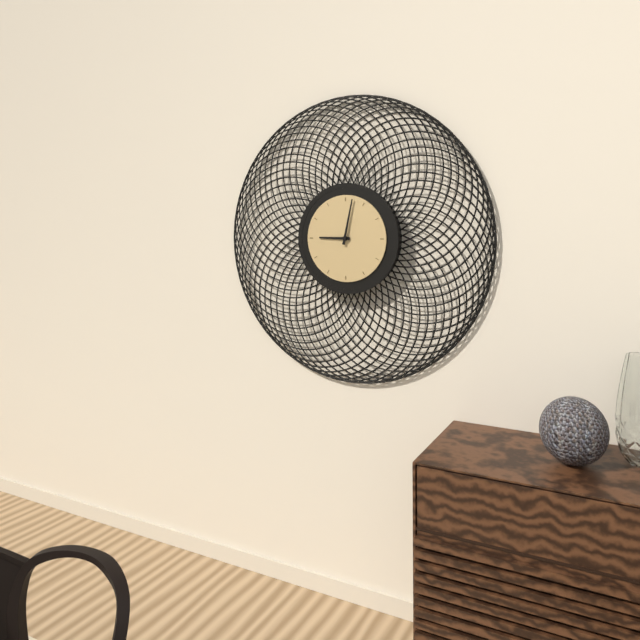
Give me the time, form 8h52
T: 9h02
